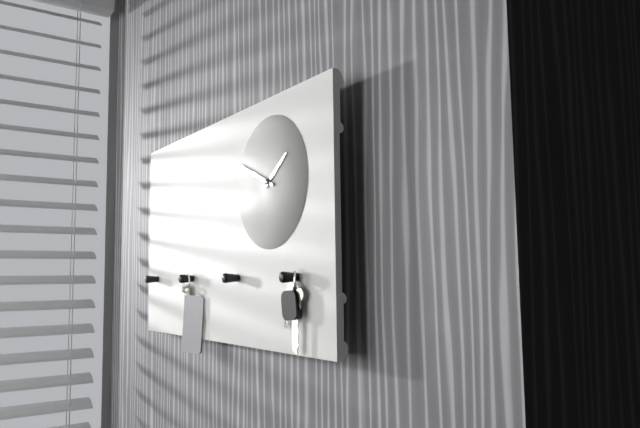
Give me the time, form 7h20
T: 1h49
